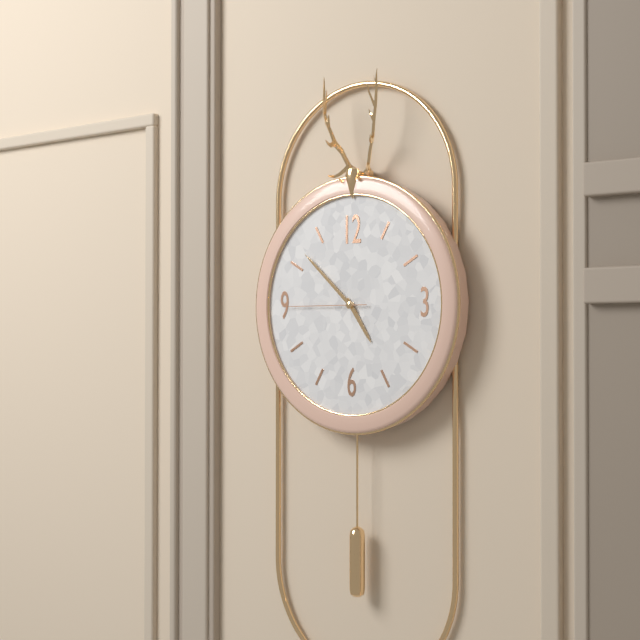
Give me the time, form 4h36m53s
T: 4h52m45s
